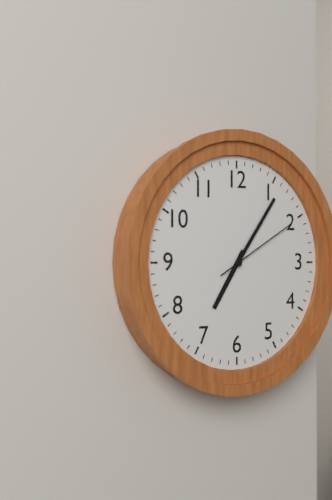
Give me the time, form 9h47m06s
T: 7h06m10s
